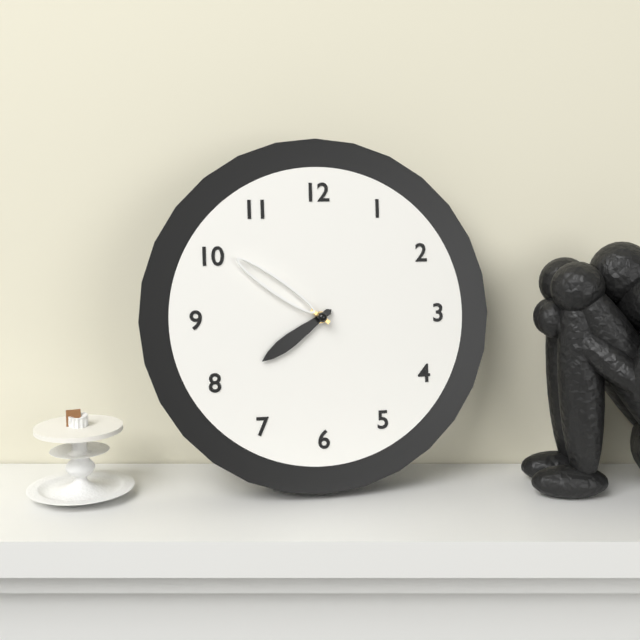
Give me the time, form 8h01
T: 7h51
